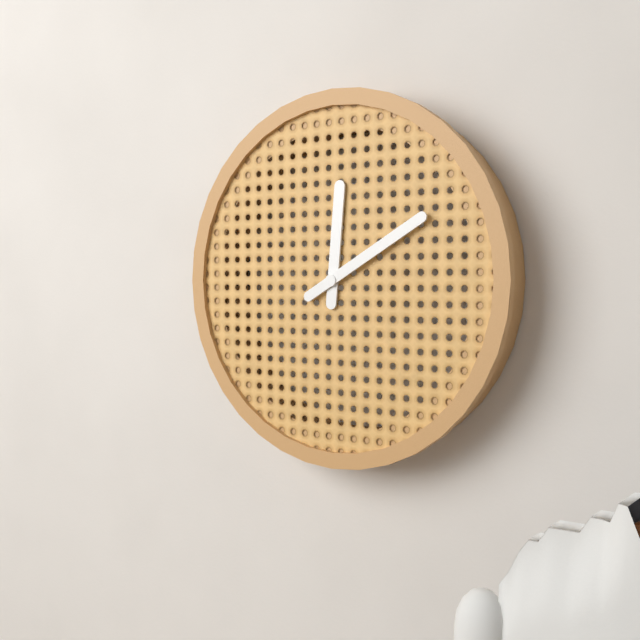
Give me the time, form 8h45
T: 12h10
